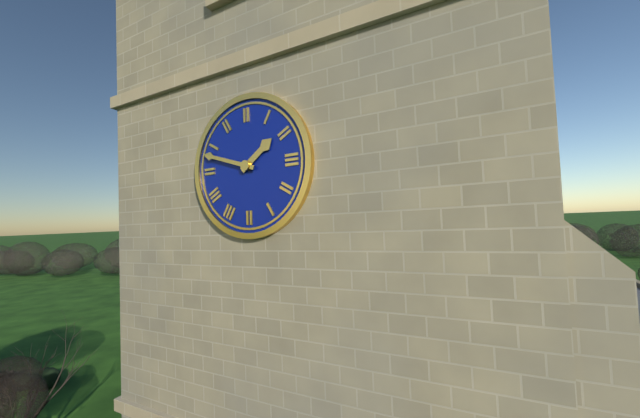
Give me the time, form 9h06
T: 1h48
